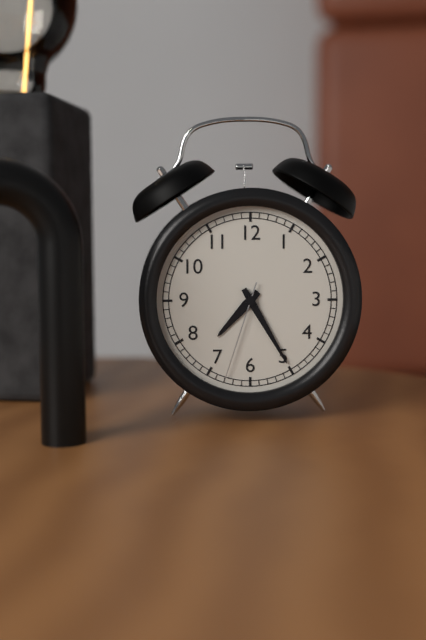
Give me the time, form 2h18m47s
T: 7h25m33s
